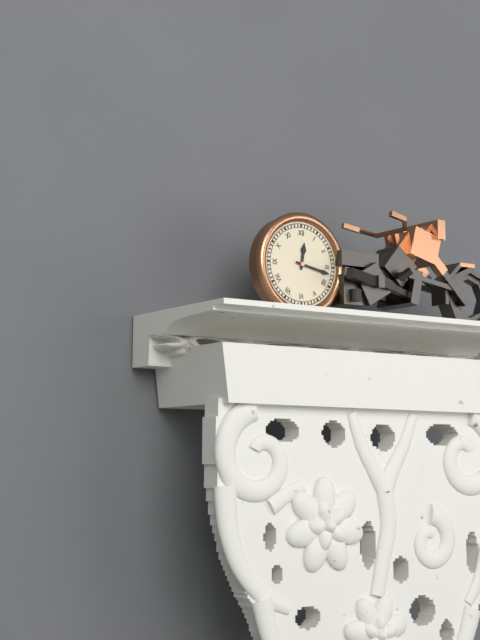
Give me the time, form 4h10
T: 12h17
